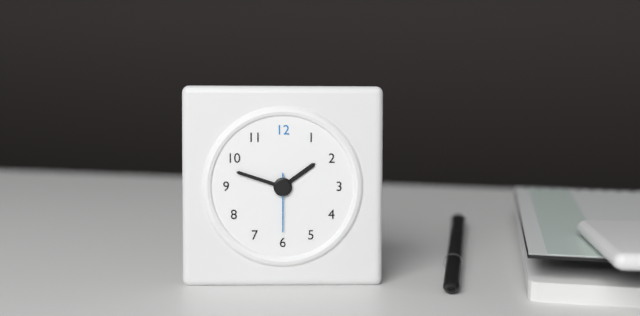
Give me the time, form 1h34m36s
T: 1h48m30s
